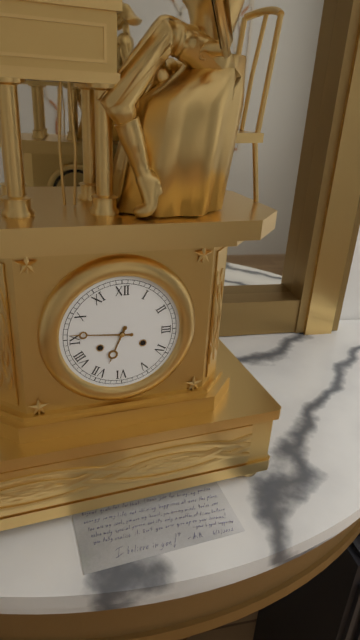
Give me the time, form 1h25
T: 6h46
